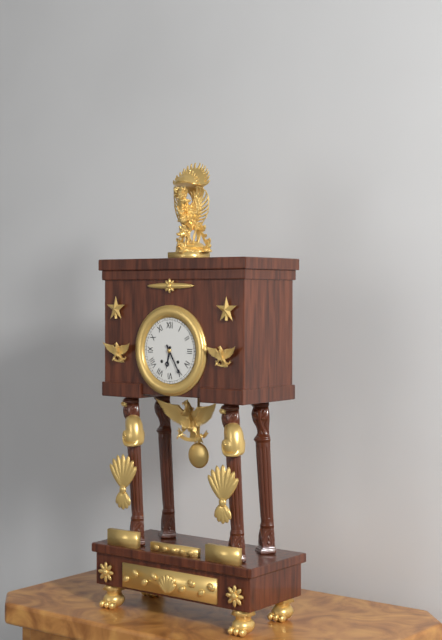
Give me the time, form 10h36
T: 6h25
